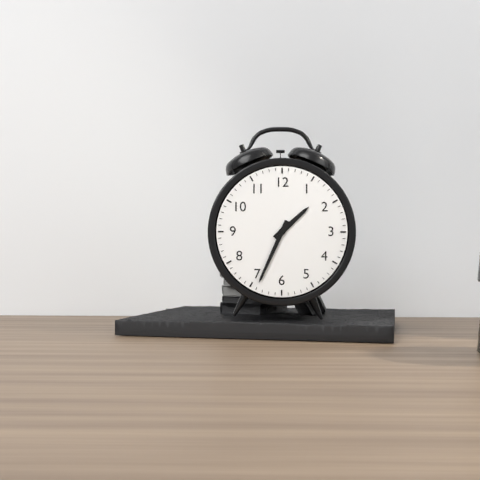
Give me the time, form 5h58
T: 1h34
